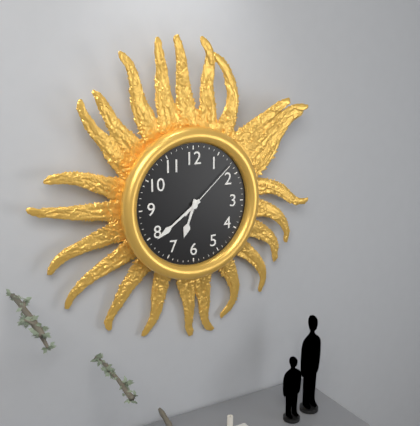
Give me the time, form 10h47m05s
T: 6h39m08s
